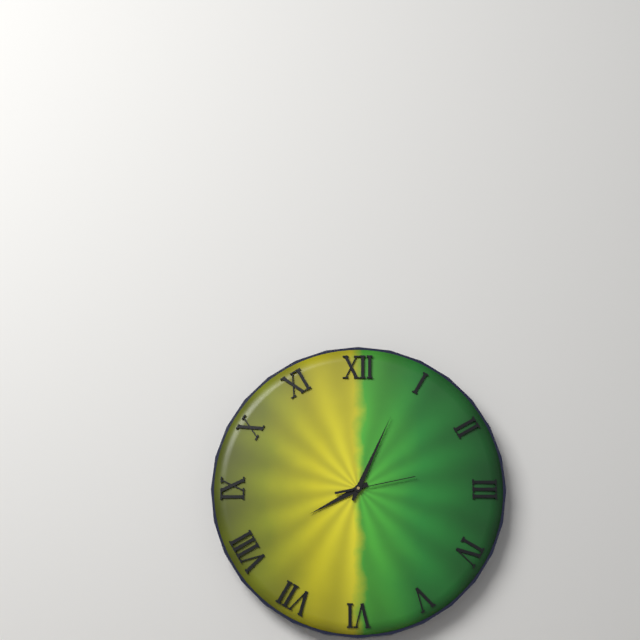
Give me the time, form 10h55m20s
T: 8h04m13s
